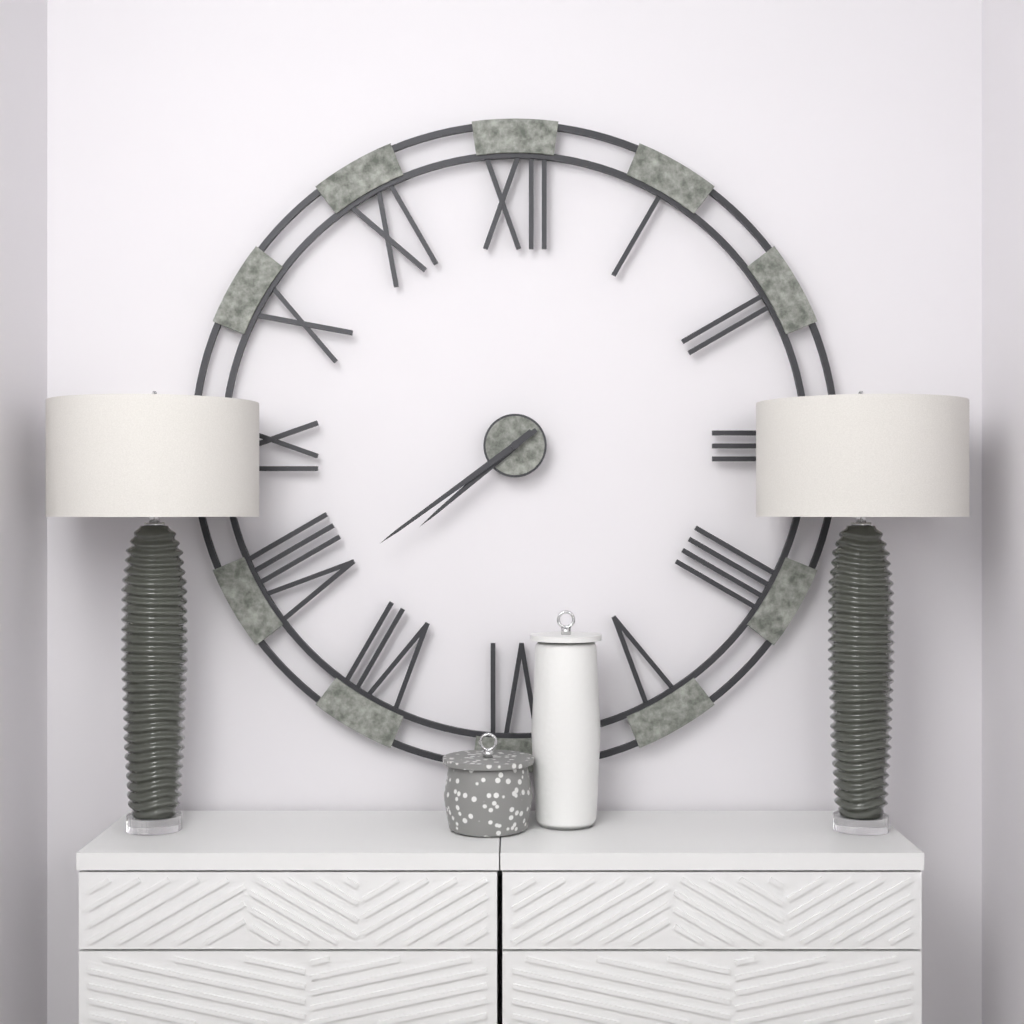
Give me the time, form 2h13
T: 7h39
